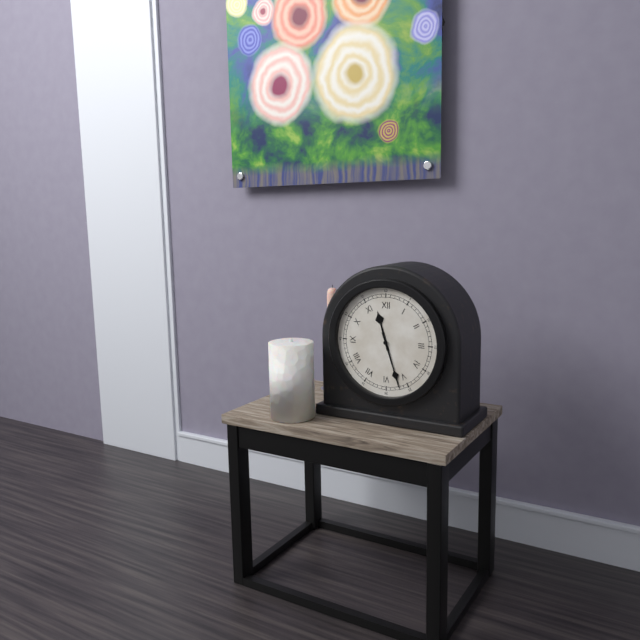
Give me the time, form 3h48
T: 11h27
